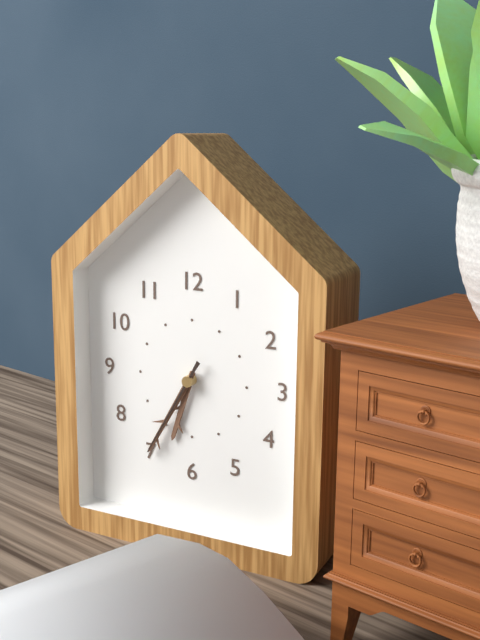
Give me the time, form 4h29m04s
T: 6h35m35s
